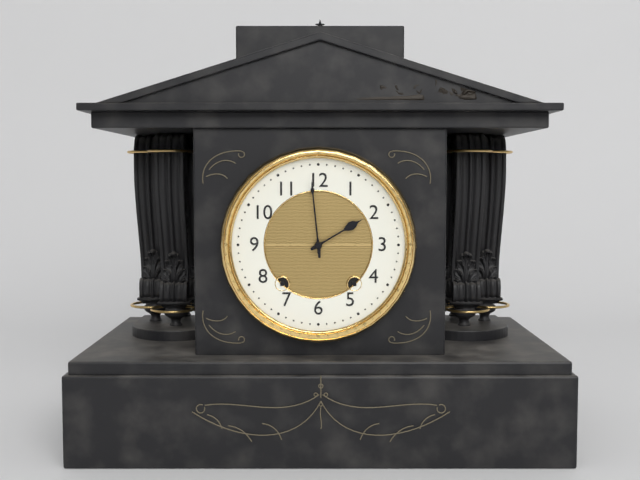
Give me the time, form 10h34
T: 1h59
